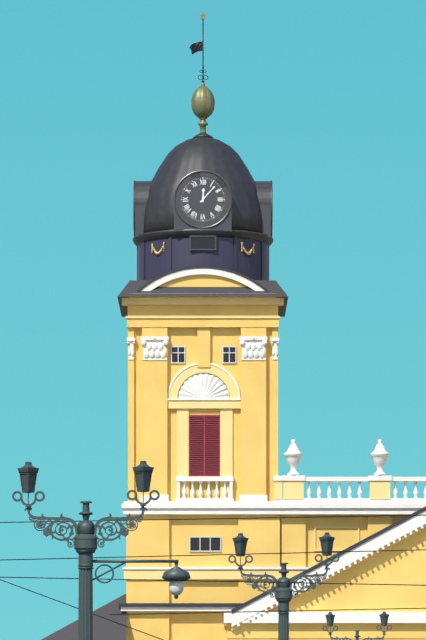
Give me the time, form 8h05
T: 12h07
